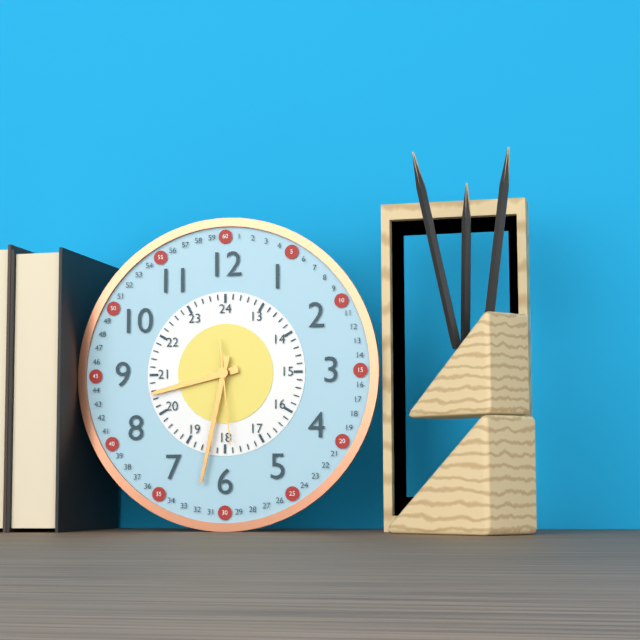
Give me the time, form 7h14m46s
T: 8h32m29s
